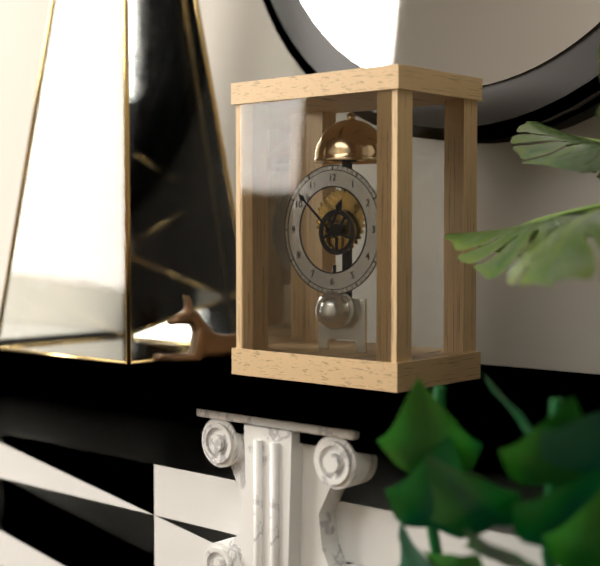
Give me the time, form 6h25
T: 12h52
